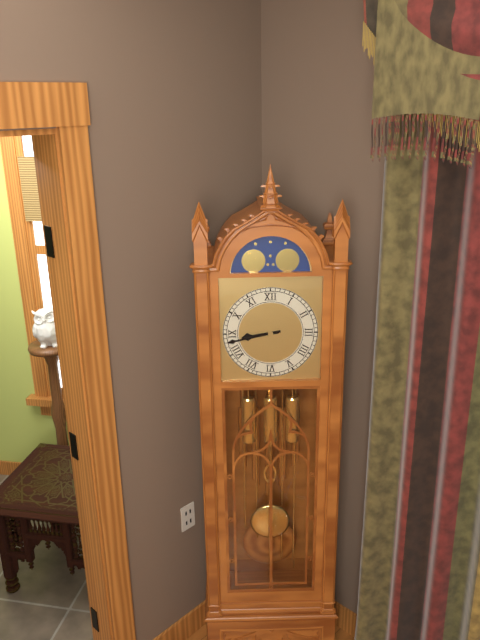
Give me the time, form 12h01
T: 8h43
